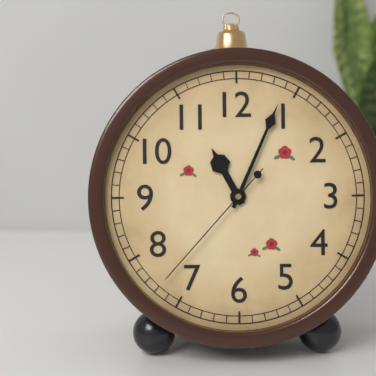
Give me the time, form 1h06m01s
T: 11h04m37s
